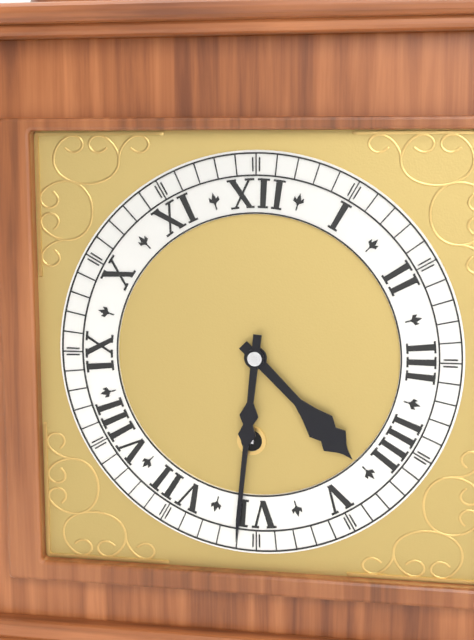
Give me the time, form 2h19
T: 4h31
